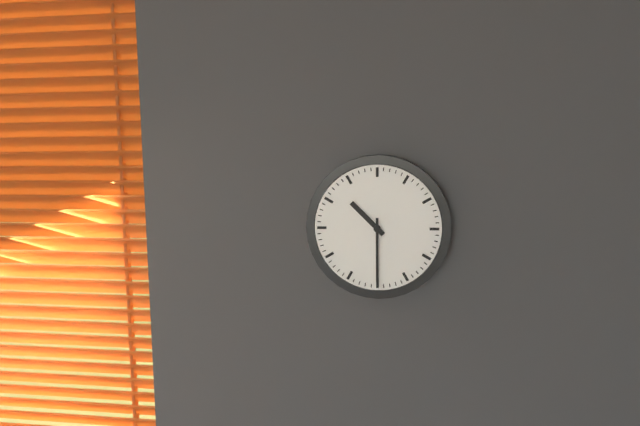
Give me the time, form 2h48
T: 10h30
